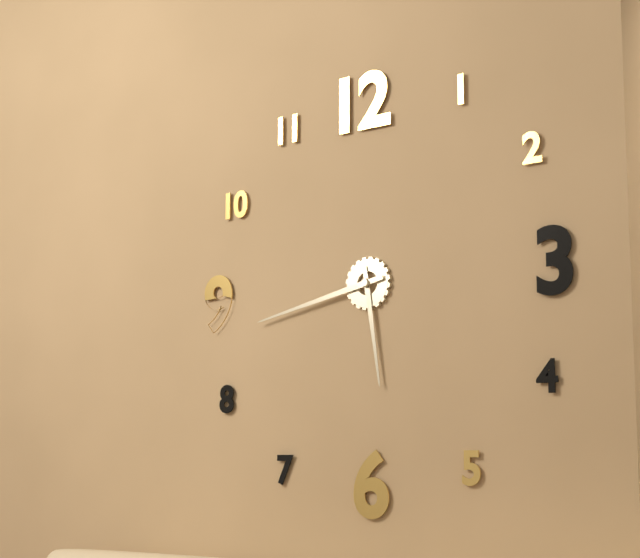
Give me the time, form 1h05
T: 5h43
